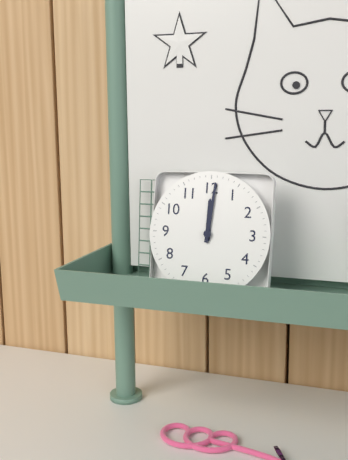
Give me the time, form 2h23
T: 12h01
